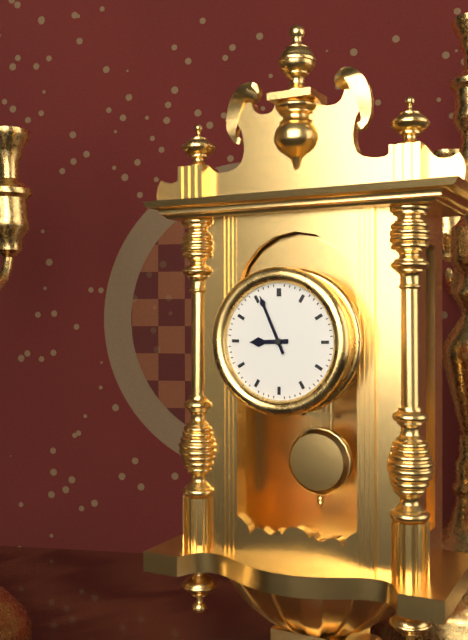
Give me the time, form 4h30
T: 8h56
